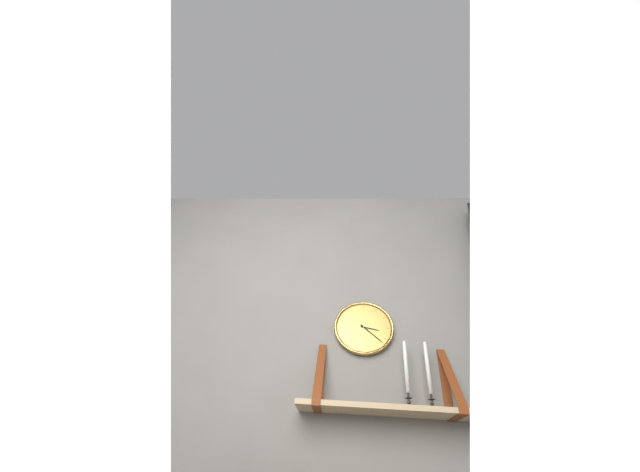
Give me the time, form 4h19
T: 3h22
